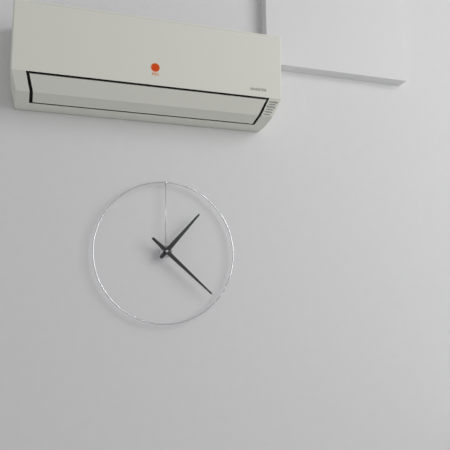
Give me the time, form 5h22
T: 1h22
